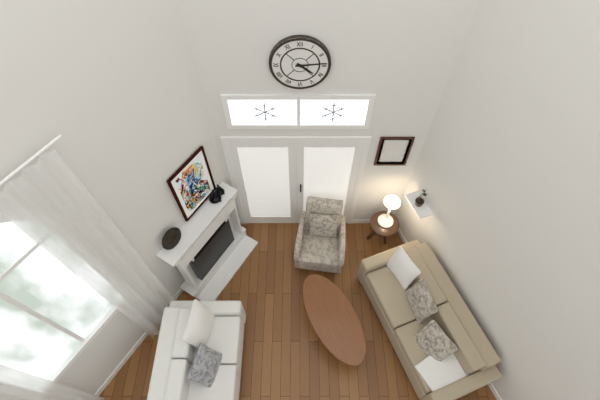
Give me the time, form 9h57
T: 4h14
